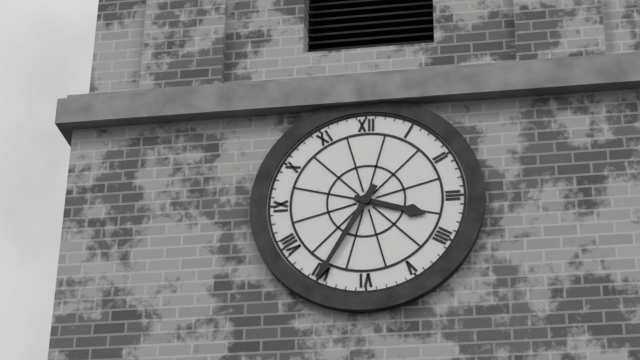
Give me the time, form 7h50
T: 3h35
